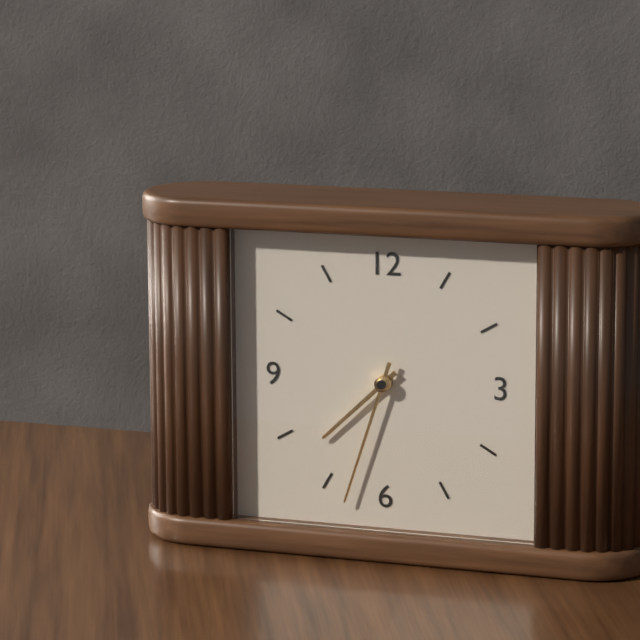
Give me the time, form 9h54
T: 7h33
